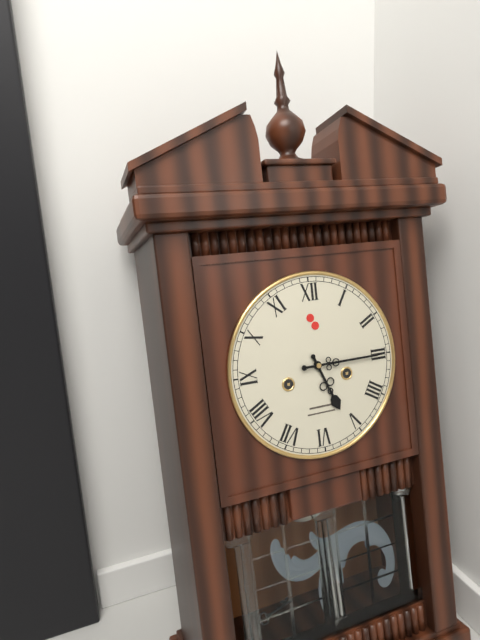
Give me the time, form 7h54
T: 5h15
